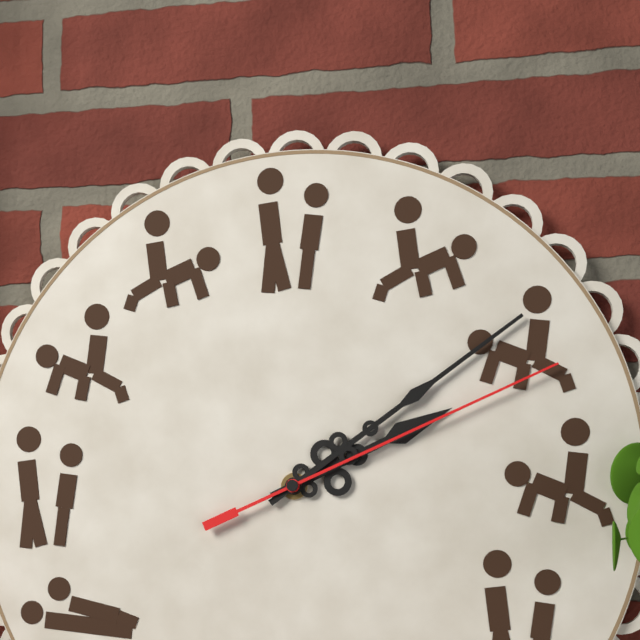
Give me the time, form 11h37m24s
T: 2h09m11s
